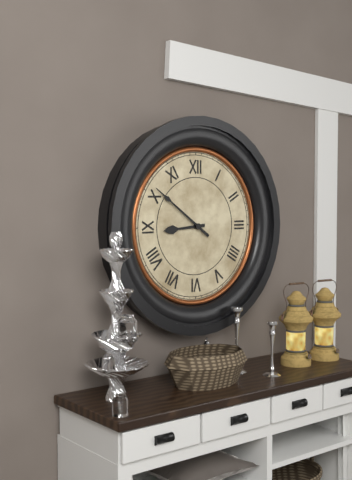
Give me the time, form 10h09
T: 8h51
